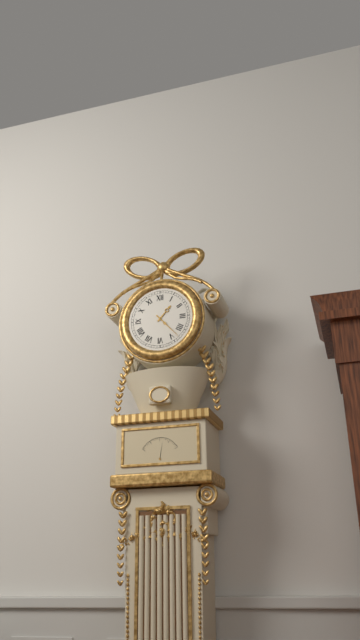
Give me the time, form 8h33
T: 1h23
